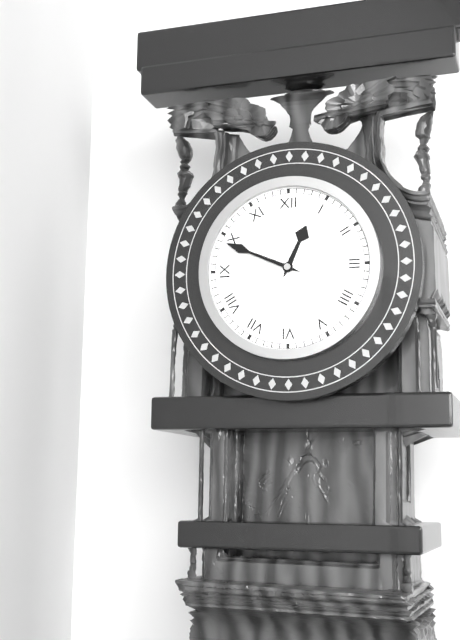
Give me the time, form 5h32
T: 12h49
